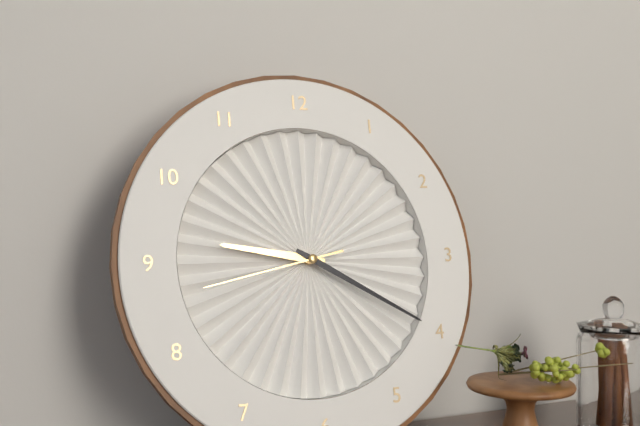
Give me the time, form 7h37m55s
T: 9h20m43s
